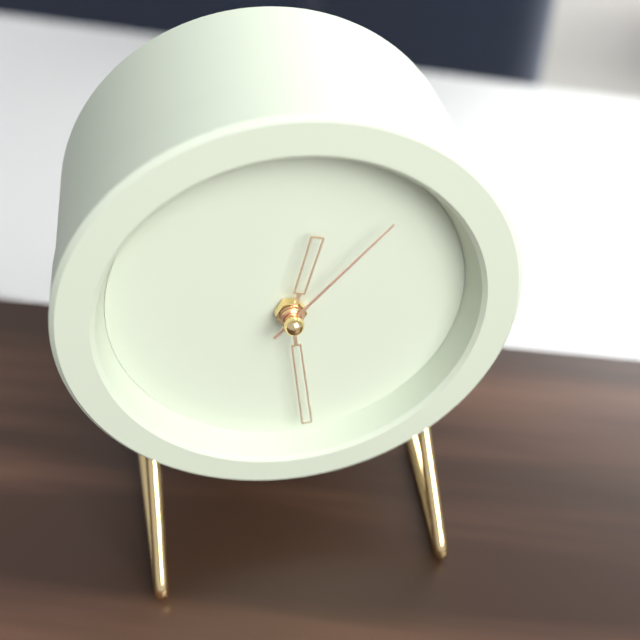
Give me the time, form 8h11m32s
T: 12h29m07s
